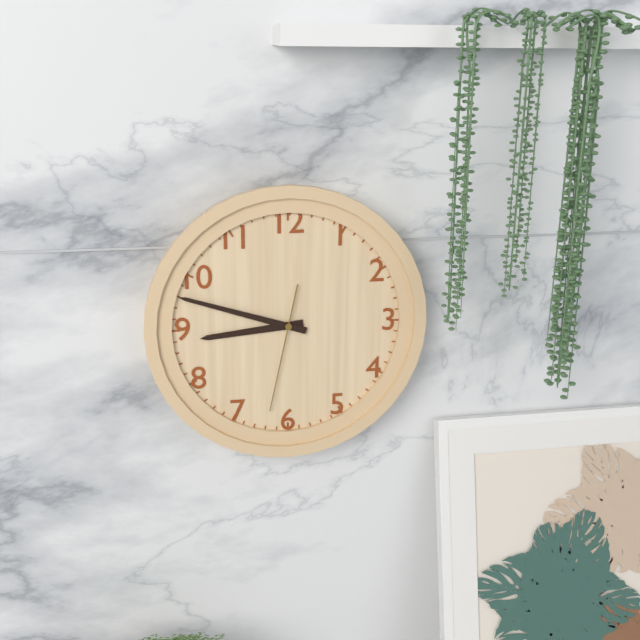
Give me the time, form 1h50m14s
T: 8h48m32s
